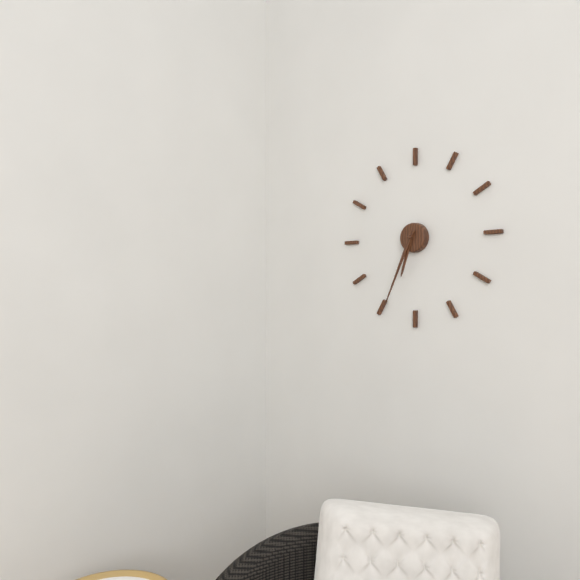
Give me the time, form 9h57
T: 6h34
